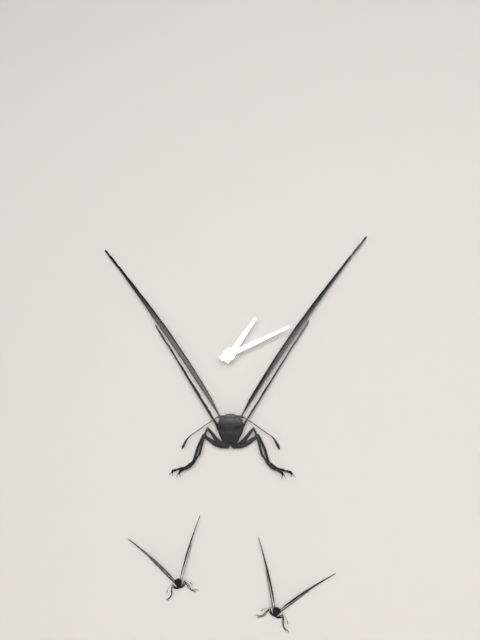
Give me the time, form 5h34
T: 1h11
